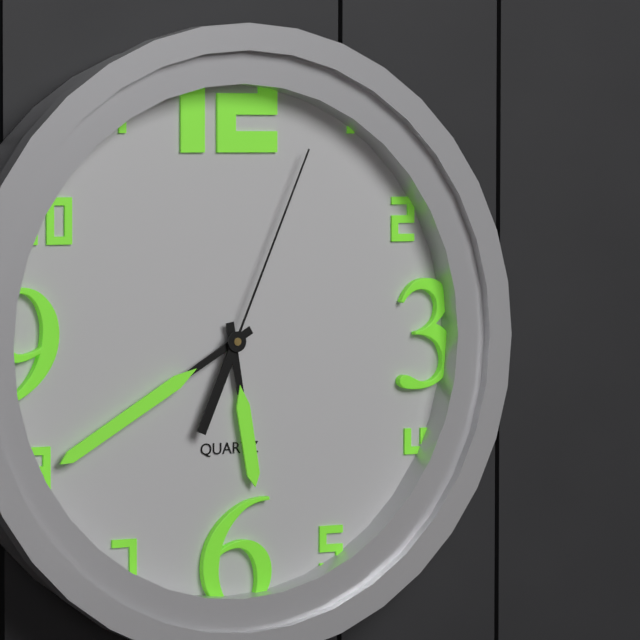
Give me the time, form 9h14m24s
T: 5h40m04s
